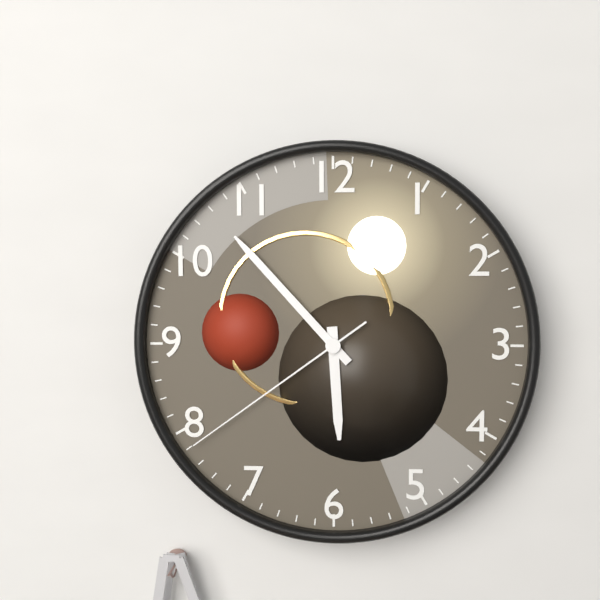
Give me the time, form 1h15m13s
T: 5h53m39s
